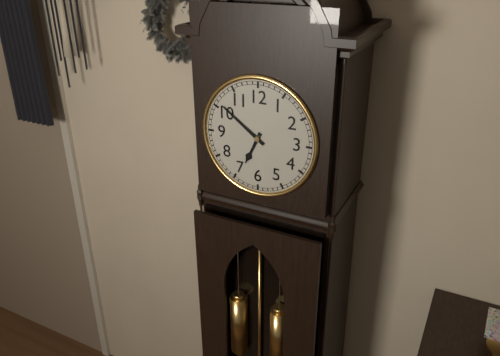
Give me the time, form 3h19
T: 6h51
